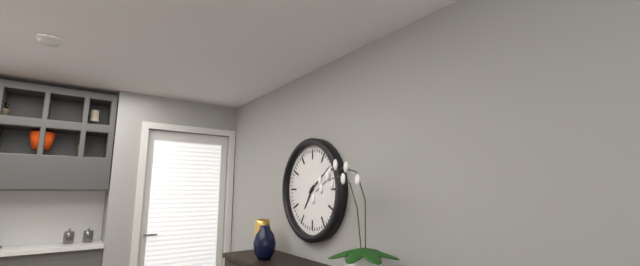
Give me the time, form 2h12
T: 7h09
